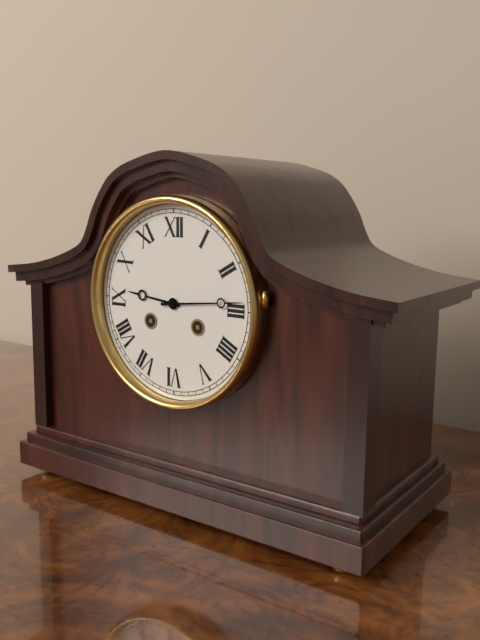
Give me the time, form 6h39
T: 9h14
